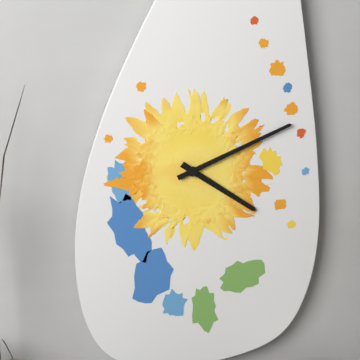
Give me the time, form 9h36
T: 4h11
